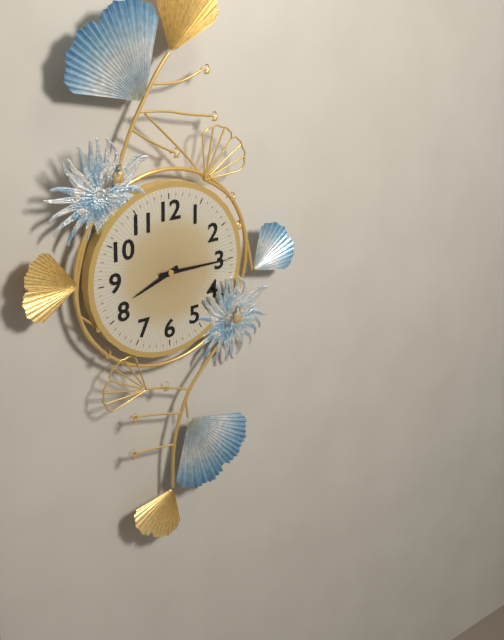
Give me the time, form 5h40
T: 8h15
